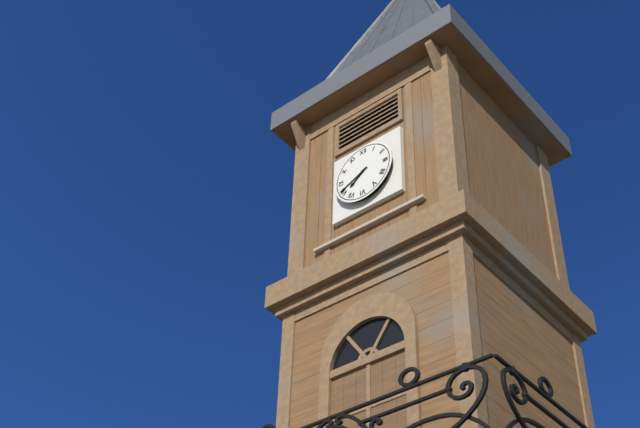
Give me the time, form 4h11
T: 7h41
